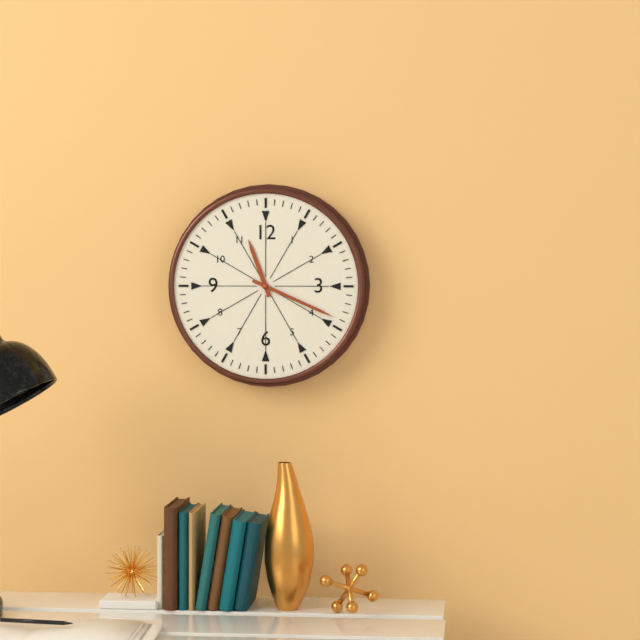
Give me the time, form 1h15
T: 11h19
